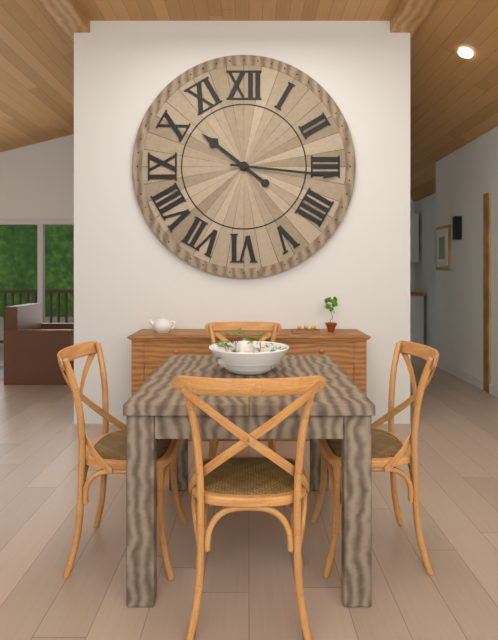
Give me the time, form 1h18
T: 10h16
